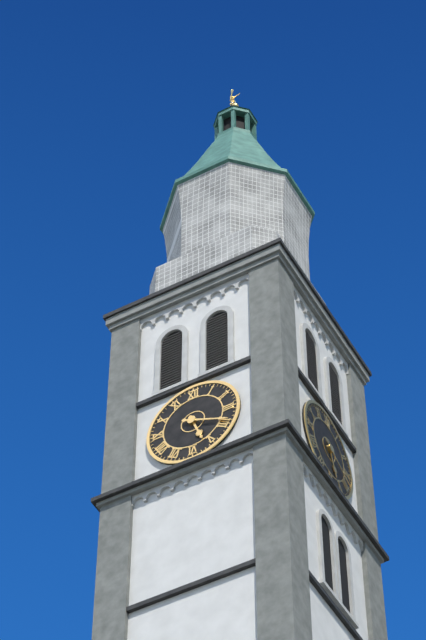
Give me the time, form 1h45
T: 5h19
